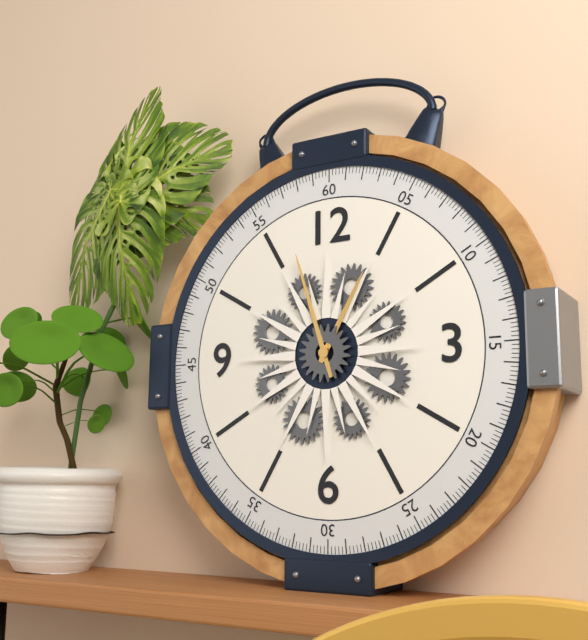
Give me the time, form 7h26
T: 12h57
